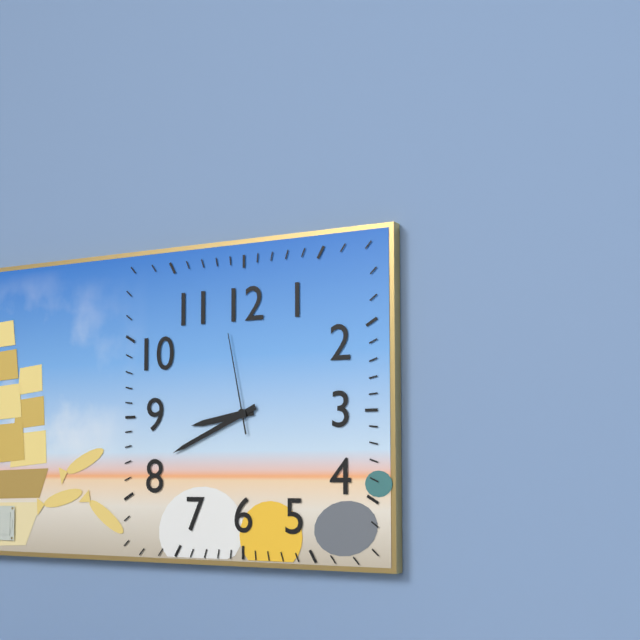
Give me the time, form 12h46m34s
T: 8h41m58s
